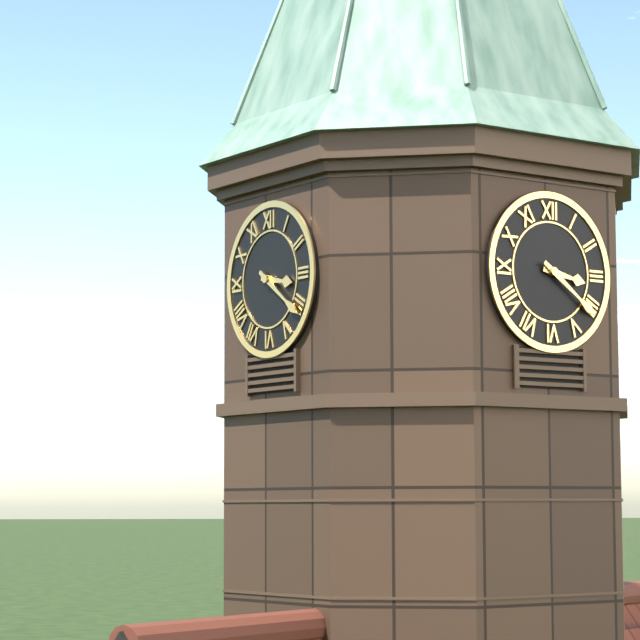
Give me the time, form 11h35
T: 3h21
